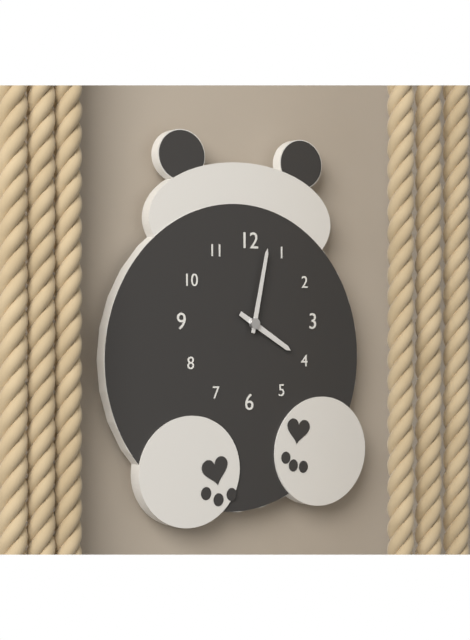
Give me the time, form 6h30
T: 4h02
